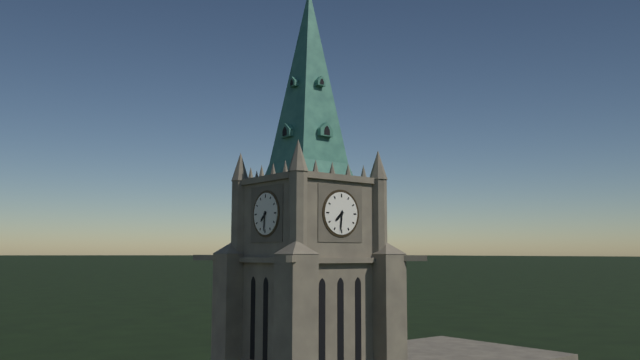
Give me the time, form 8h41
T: 7h31
